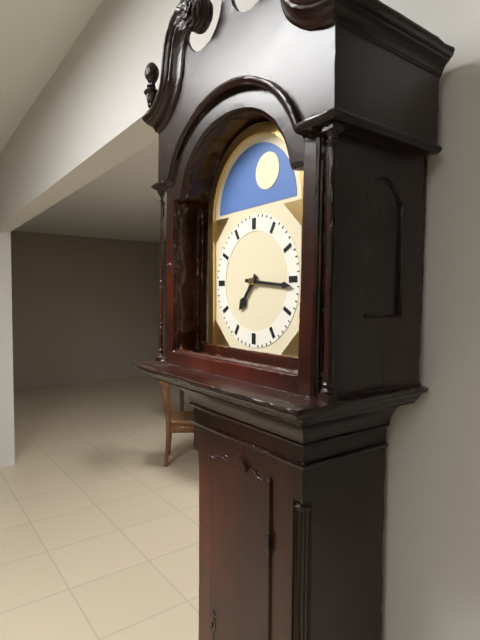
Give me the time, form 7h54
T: 7h16
